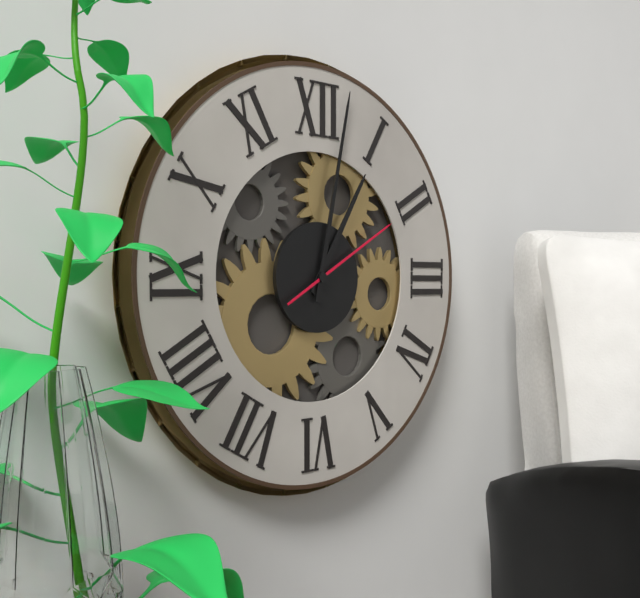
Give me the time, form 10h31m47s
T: 1h02m10s
